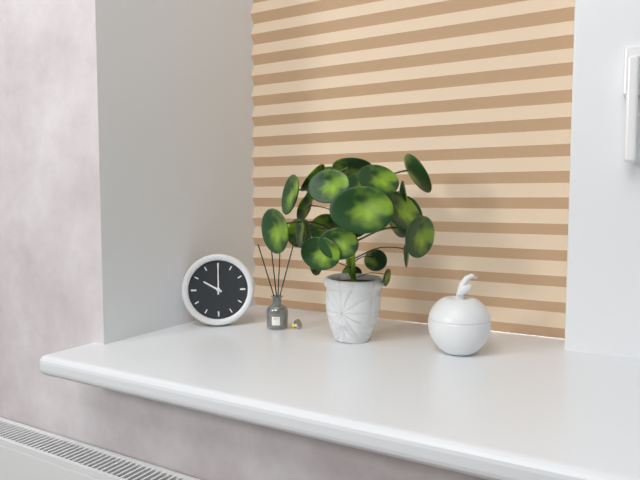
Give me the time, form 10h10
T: 10h00
